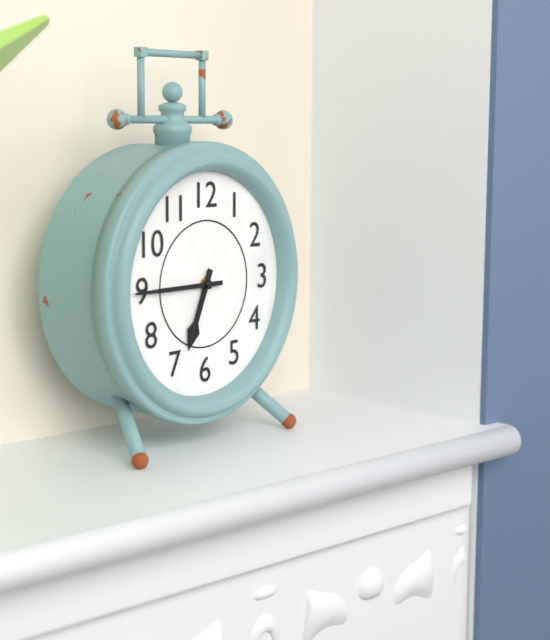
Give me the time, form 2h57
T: 6h45
